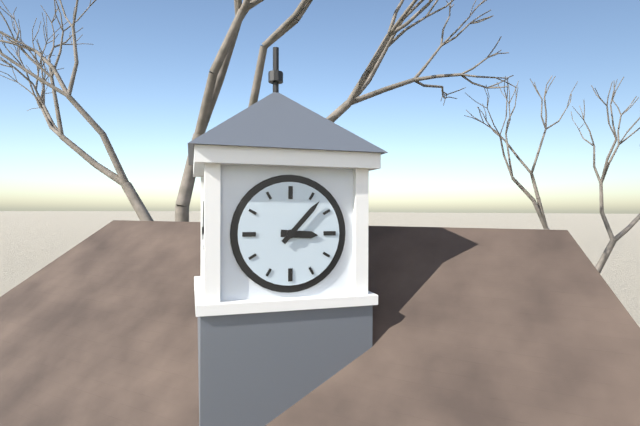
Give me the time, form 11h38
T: 3h07
